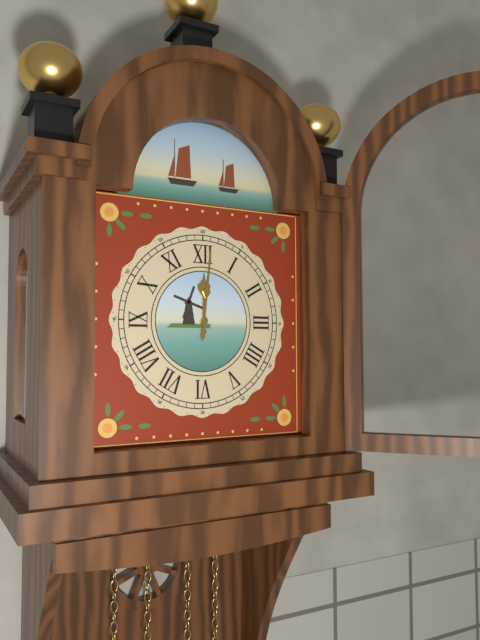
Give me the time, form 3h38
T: 12h01
